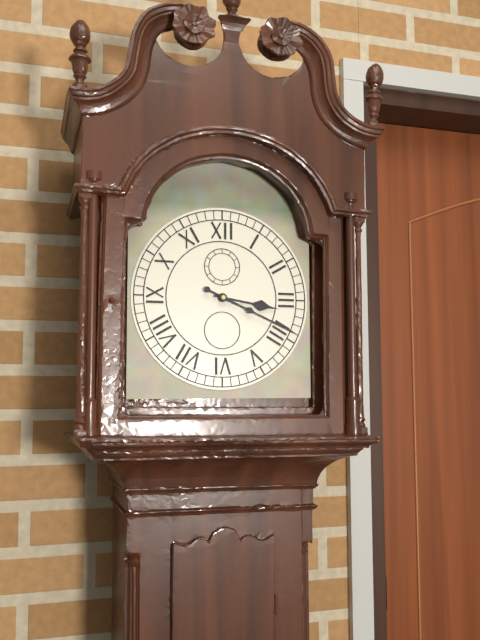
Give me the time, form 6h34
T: 3h19
